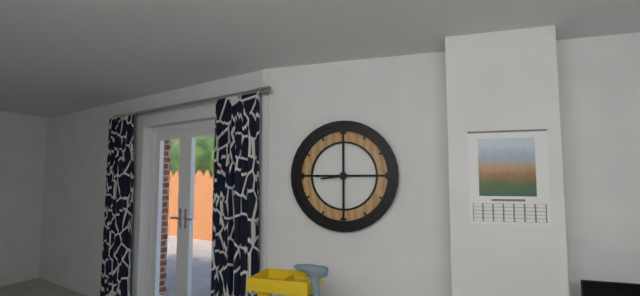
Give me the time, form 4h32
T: 8h45
